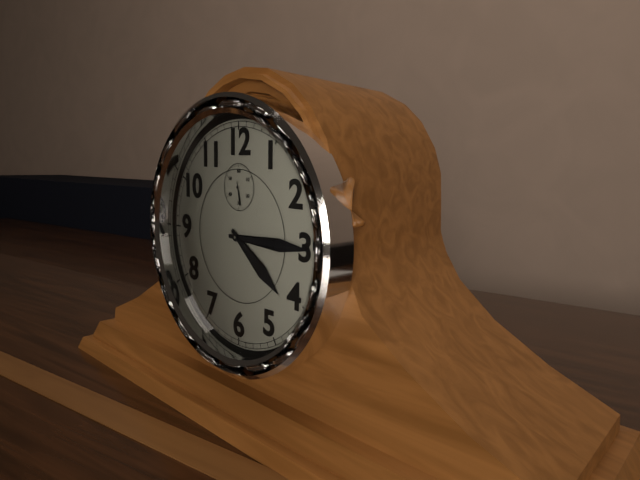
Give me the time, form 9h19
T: 4h15
